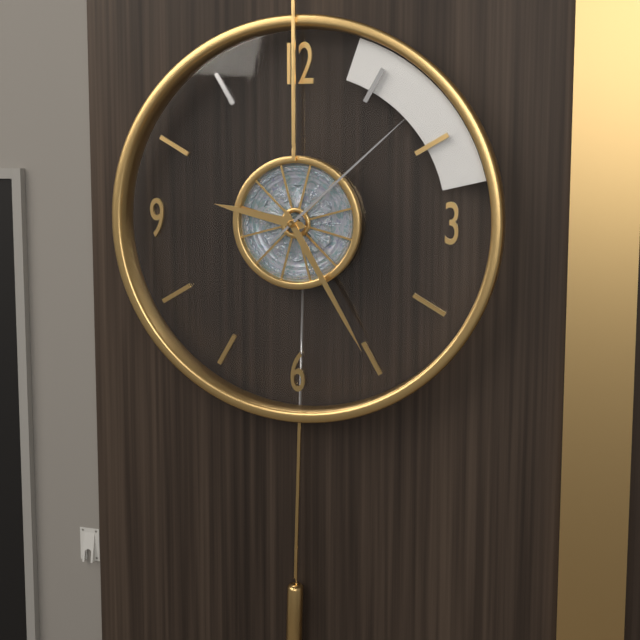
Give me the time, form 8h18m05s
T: 9h25m08s
